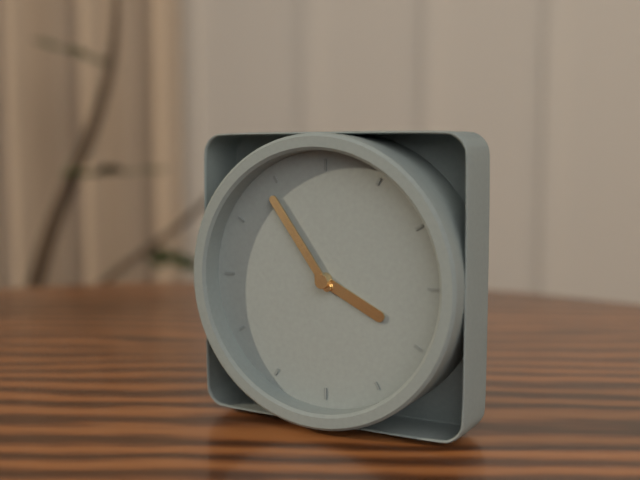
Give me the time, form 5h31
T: 3h54
